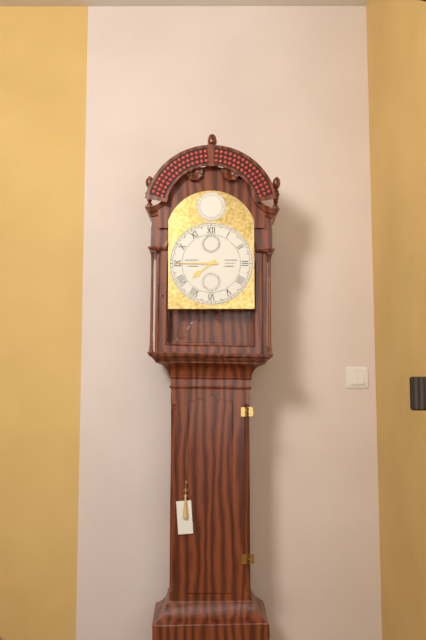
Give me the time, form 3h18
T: 7h45
